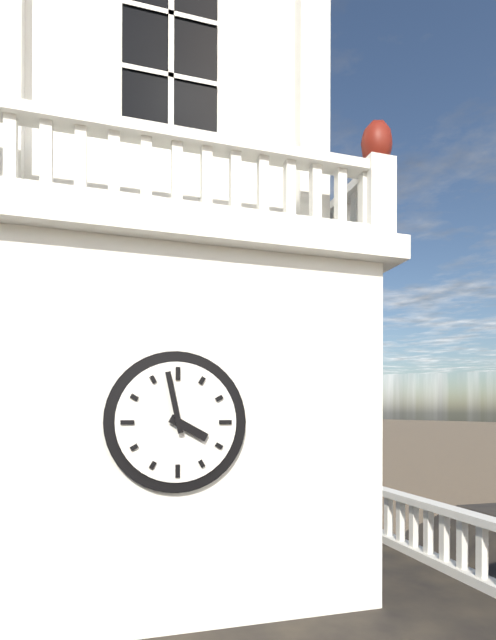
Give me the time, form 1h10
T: 3h58
